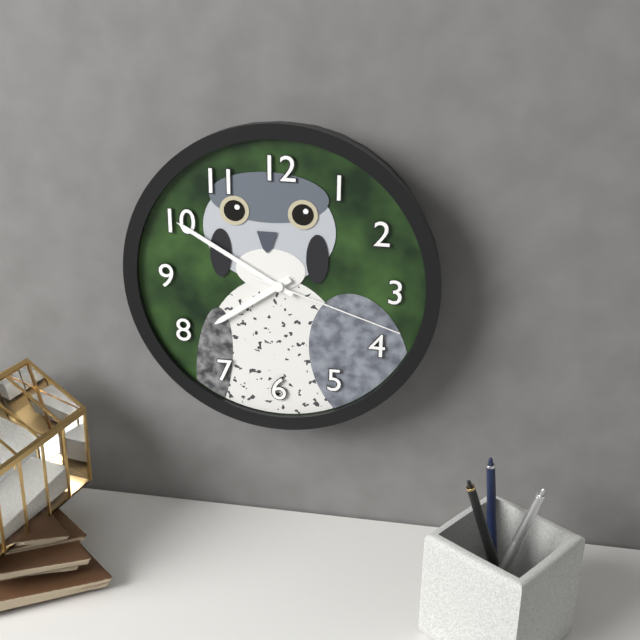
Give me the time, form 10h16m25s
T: 7h50m18s
